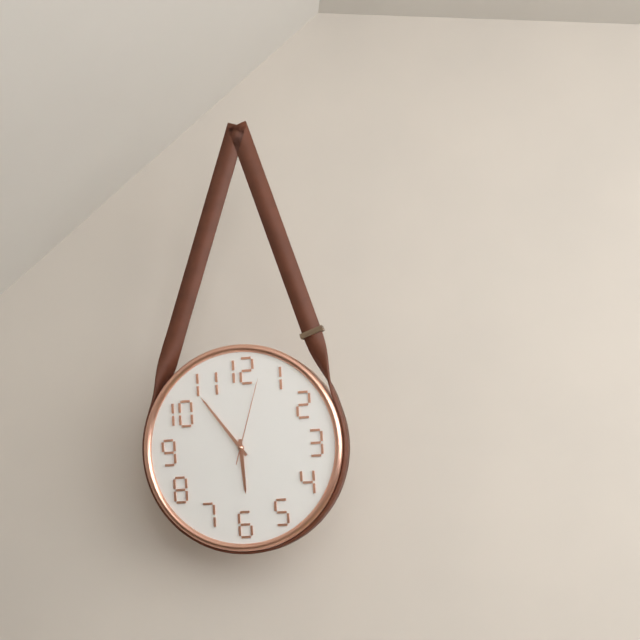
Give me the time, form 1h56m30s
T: 5h54m03s
